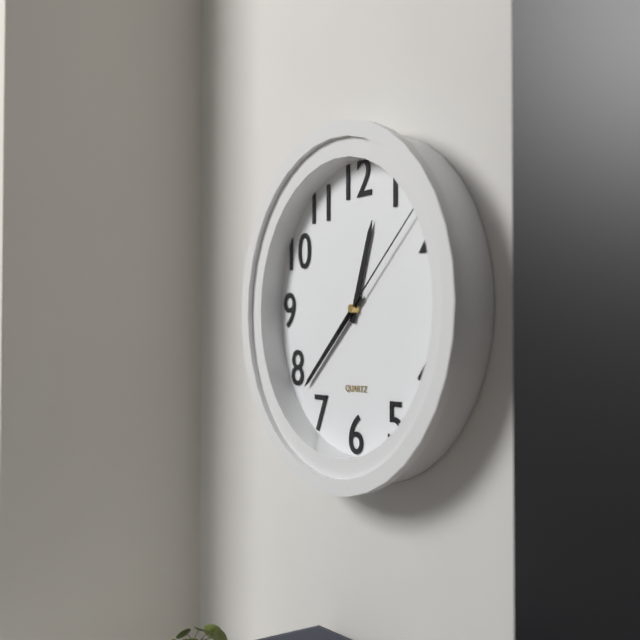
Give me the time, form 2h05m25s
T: 12h38m08s
